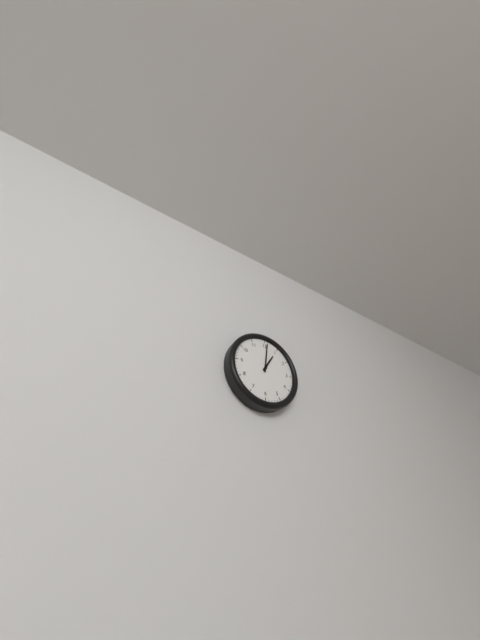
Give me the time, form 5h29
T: 1h01
